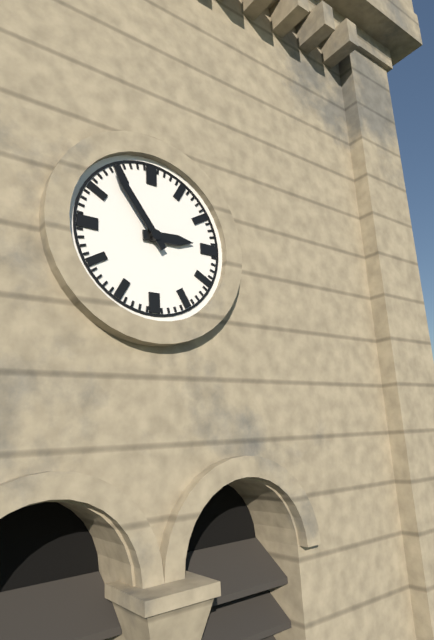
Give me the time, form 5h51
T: 2h54
